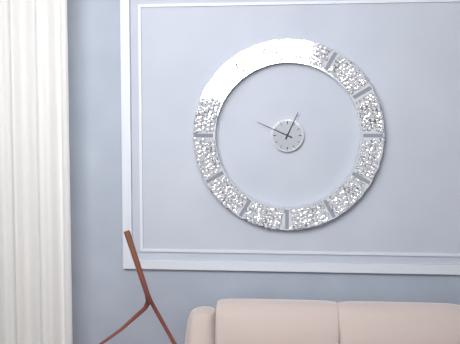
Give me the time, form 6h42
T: 12h49
